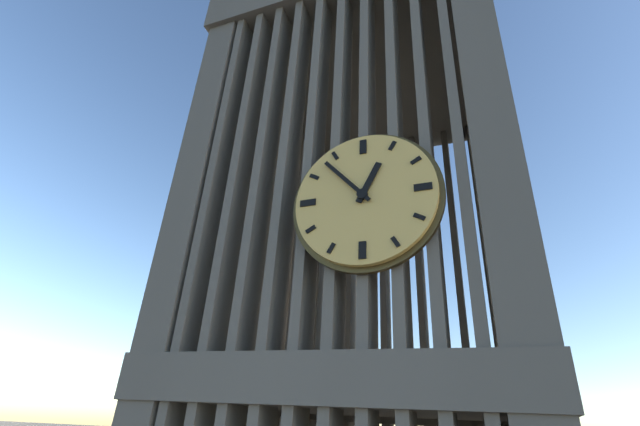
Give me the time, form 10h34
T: 12h53
